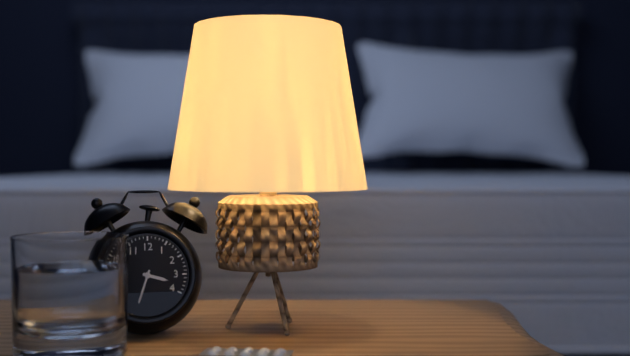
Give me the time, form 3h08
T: 3h33
